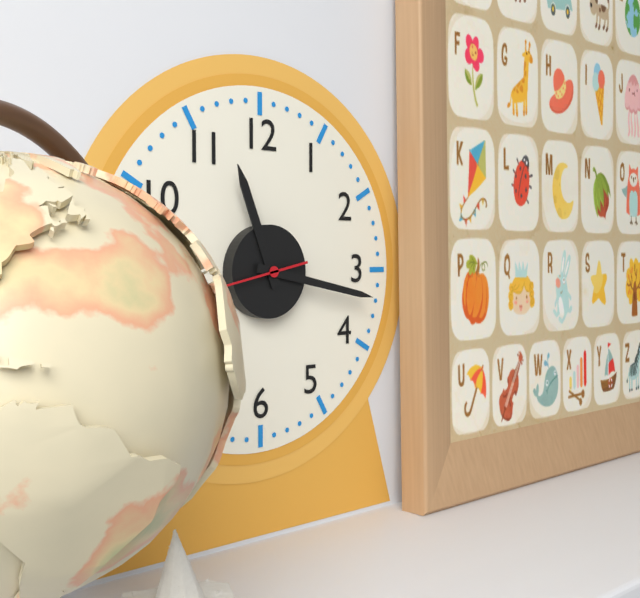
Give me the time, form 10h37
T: 11h17
